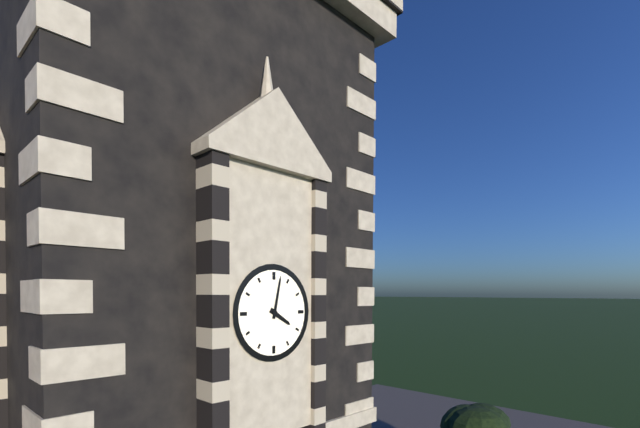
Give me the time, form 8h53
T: 4h02
